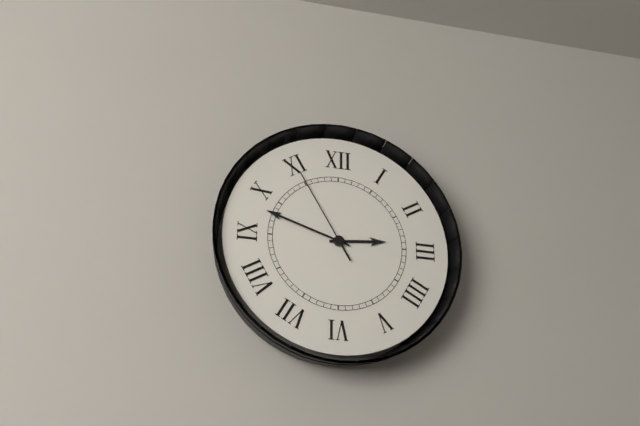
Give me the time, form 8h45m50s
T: 2h48m55s
